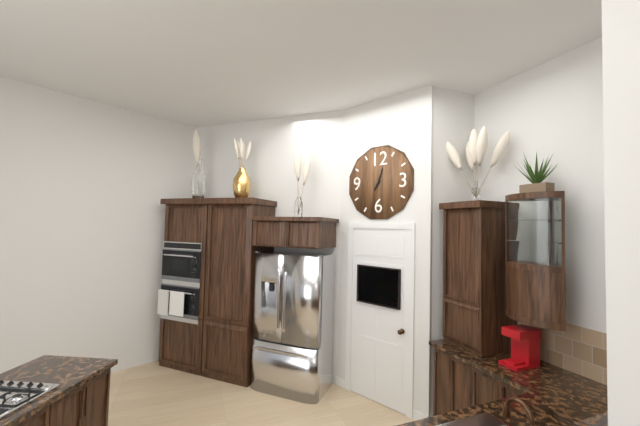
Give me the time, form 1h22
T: 7h03
